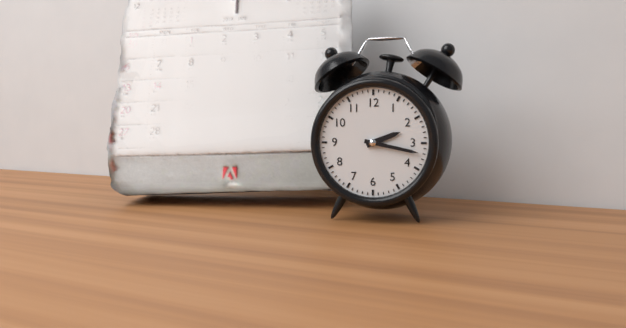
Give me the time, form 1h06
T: 2h17
